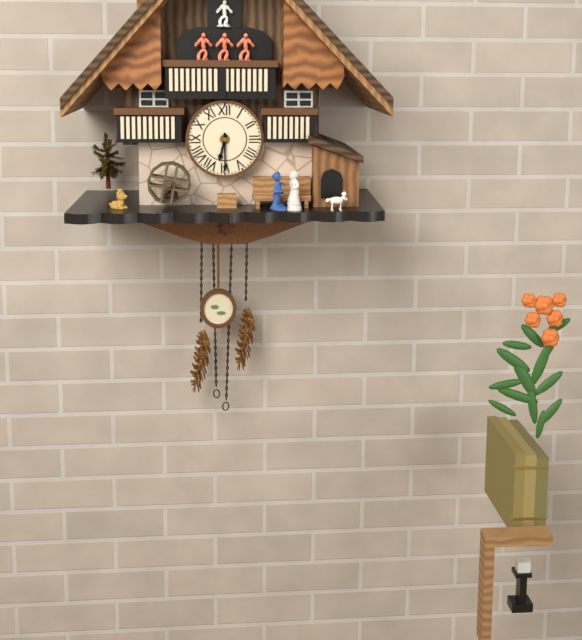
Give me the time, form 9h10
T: 6h30
